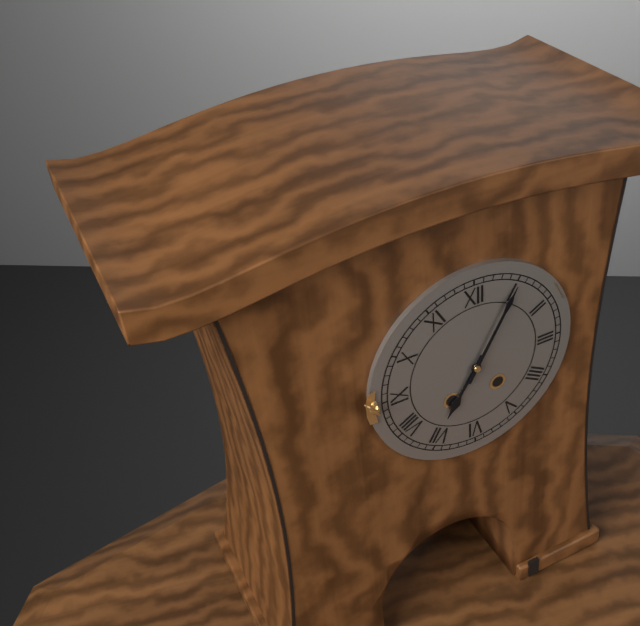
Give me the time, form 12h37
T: 7h05
